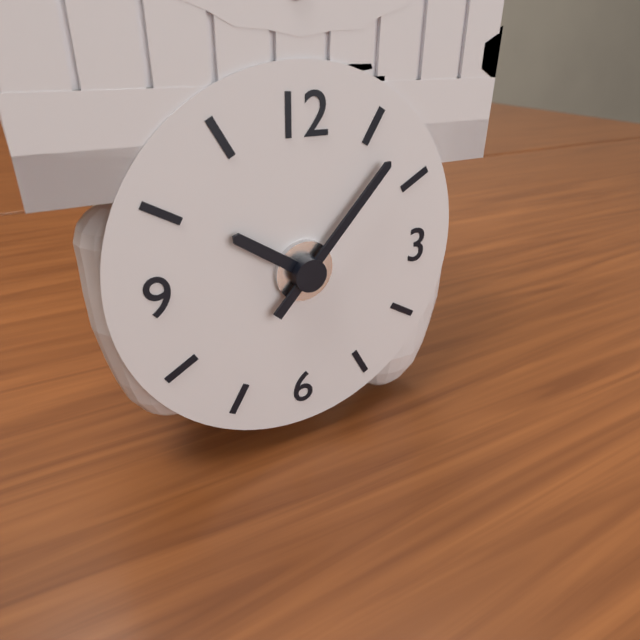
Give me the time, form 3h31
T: 10h07
